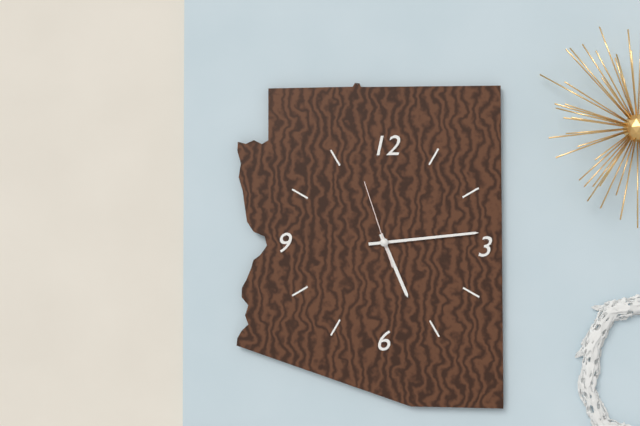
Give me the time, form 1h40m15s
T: 5h14m57s
